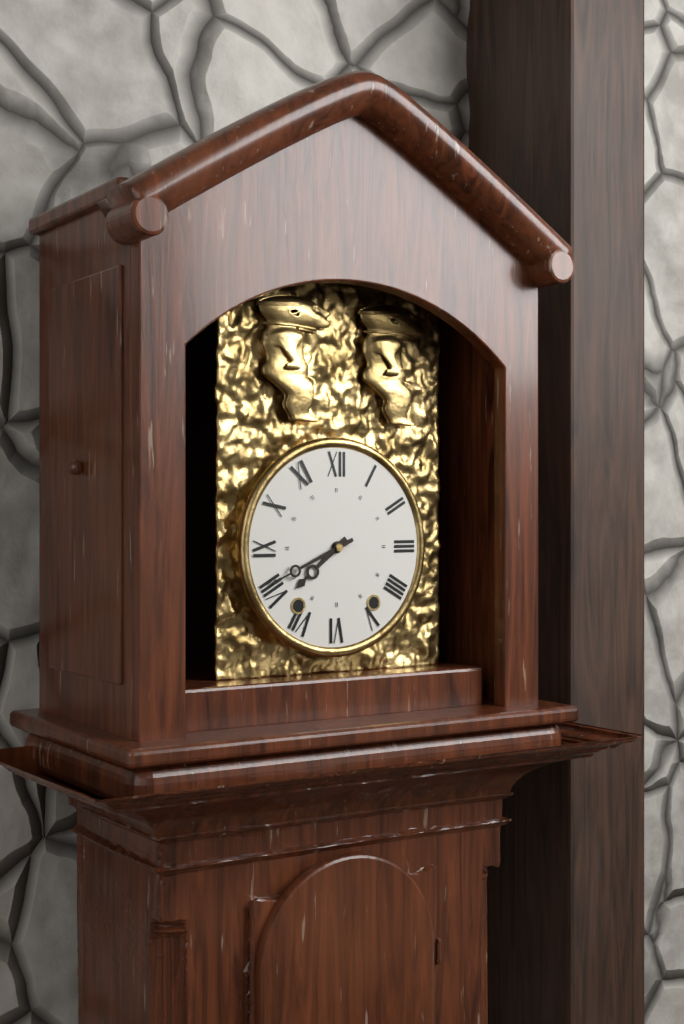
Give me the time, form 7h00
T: 7h41
